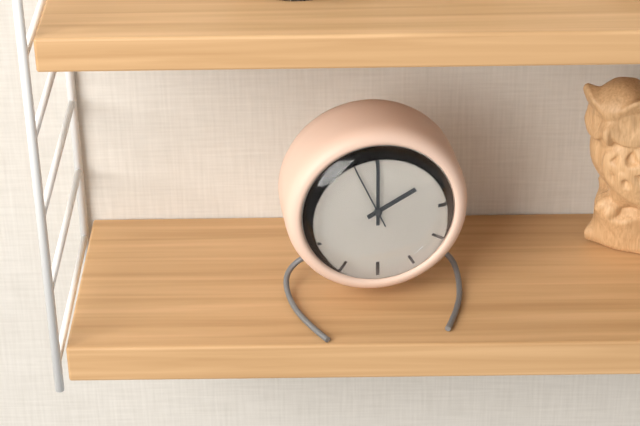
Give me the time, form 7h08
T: 2h00
